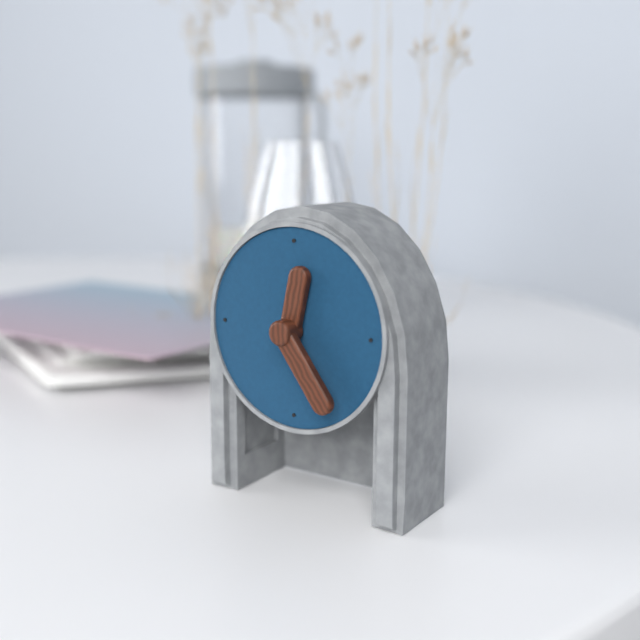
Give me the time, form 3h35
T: 12h24
